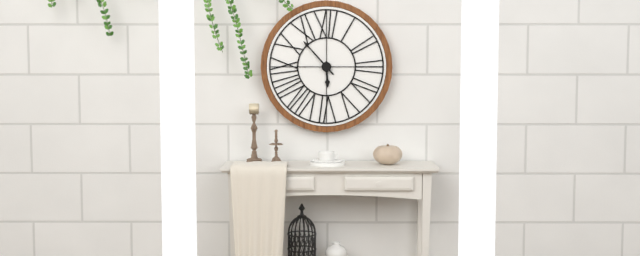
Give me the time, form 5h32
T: 5h53
